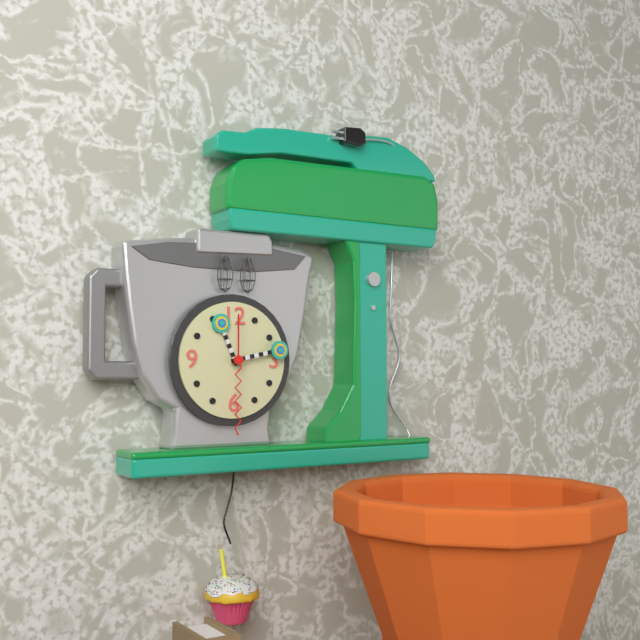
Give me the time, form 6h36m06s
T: 11h13m30s
